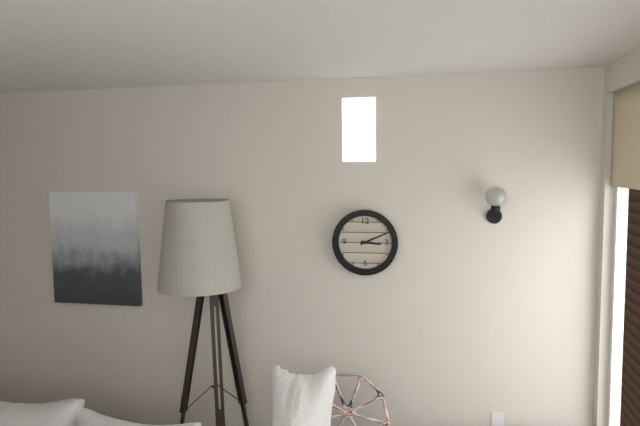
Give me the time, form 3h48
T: 3h11
